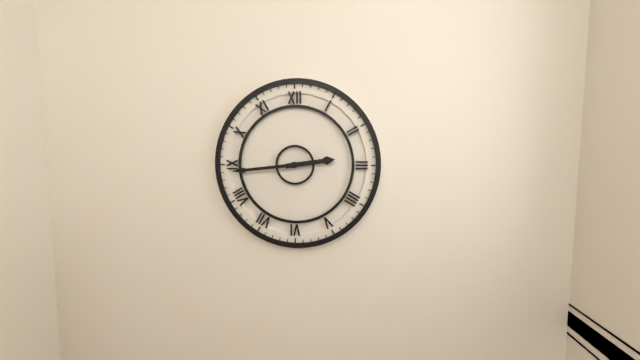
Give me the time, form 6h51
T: 2h44
